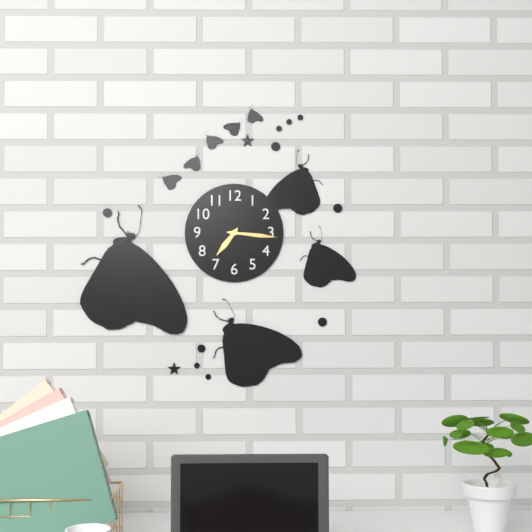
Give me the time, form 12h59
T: 7h16
